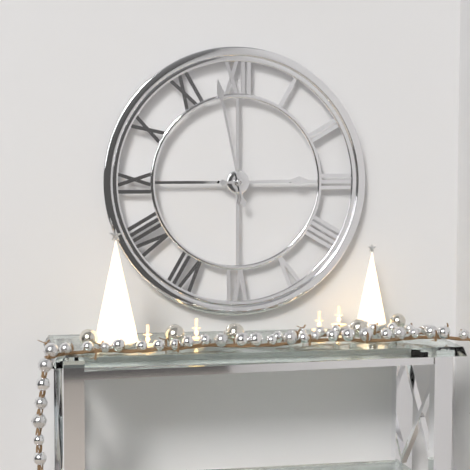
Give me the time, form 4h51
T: 2h58
